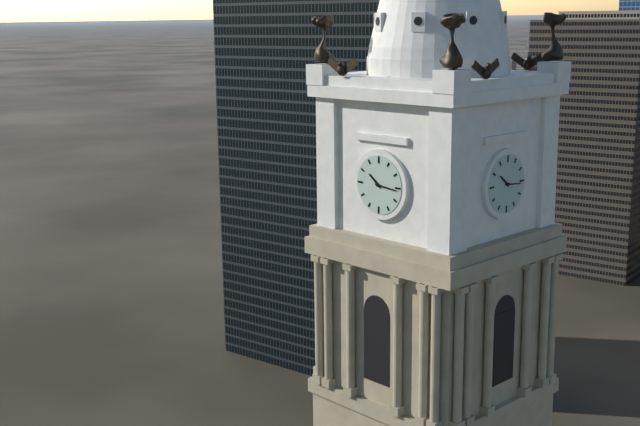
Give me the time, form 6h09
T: 10h16
